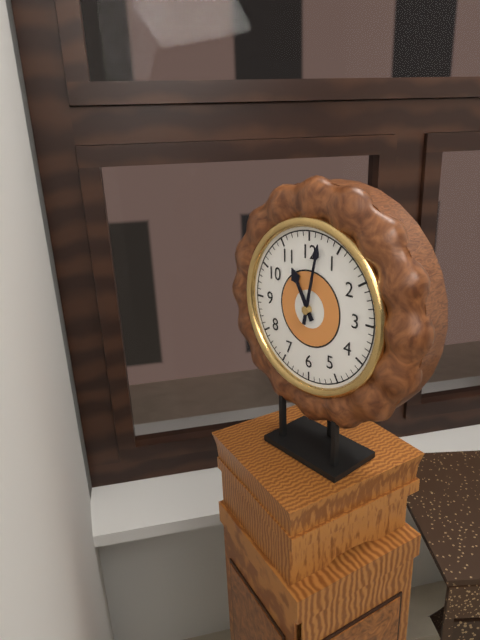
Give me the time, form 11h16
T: 11h02
